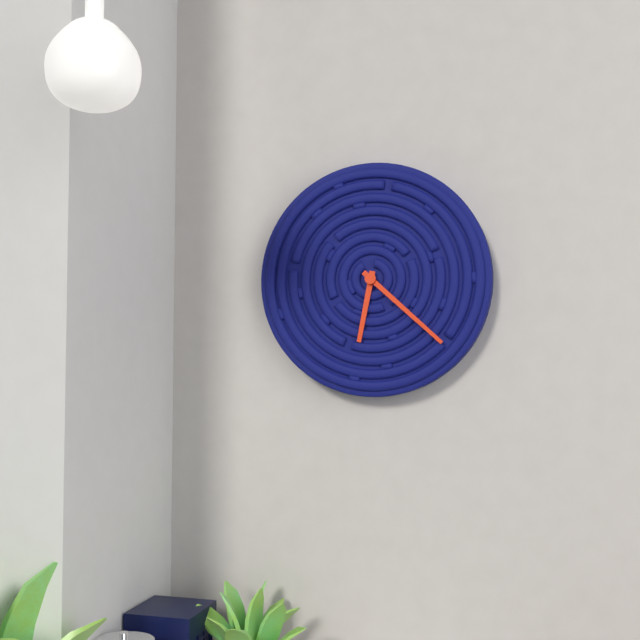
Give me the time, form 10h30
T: 6h22
